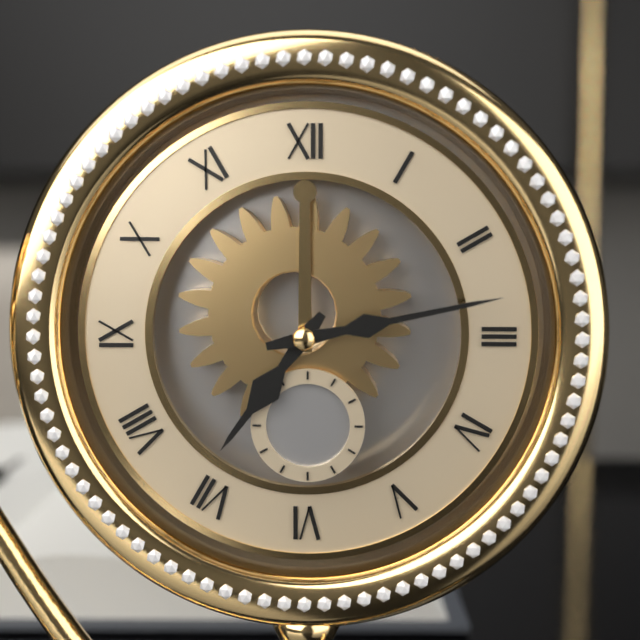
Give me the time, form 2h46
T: 7h13
